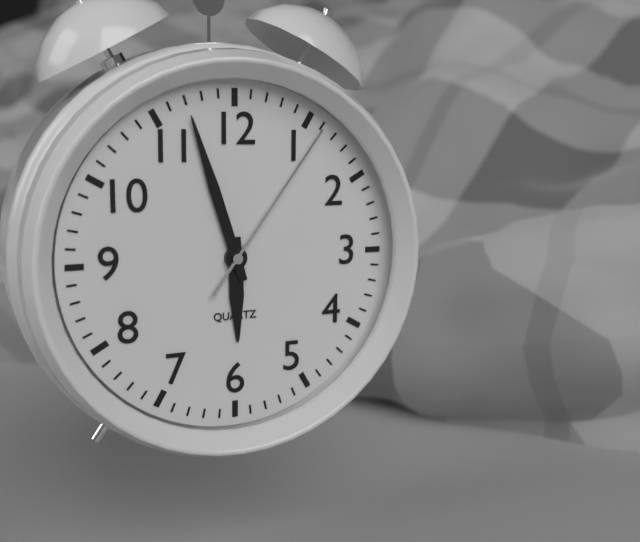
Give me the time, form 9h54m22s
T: 5h57m06s
